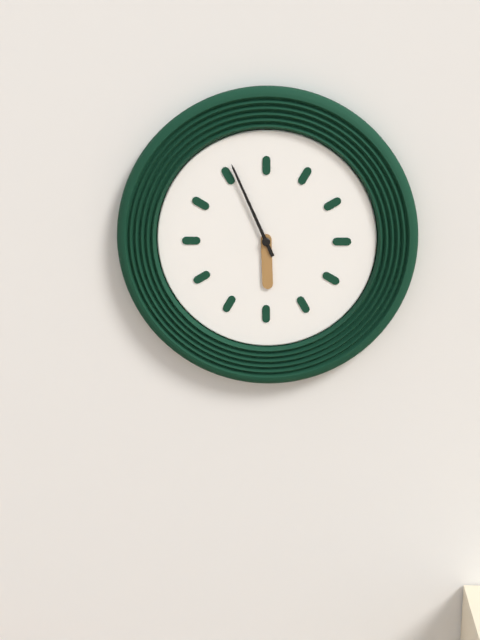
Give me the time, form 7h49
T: 5h56
